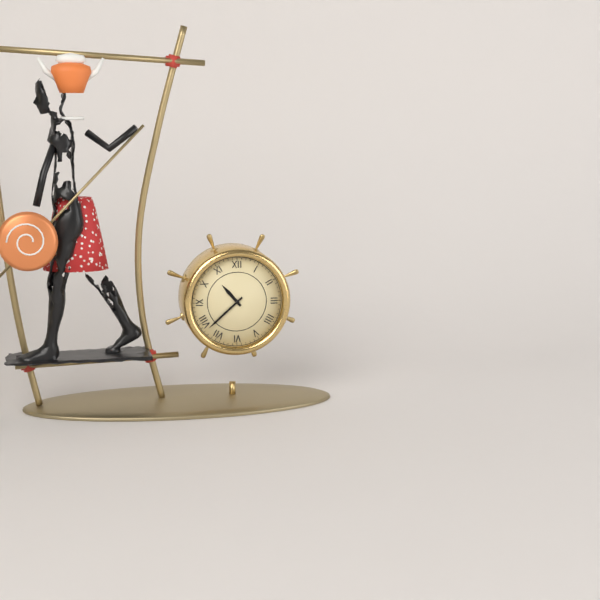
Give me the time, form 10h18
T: 10h38
